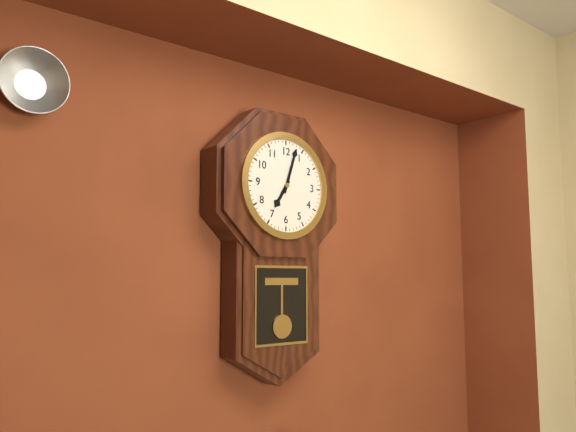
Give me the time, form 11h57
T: 7h03
